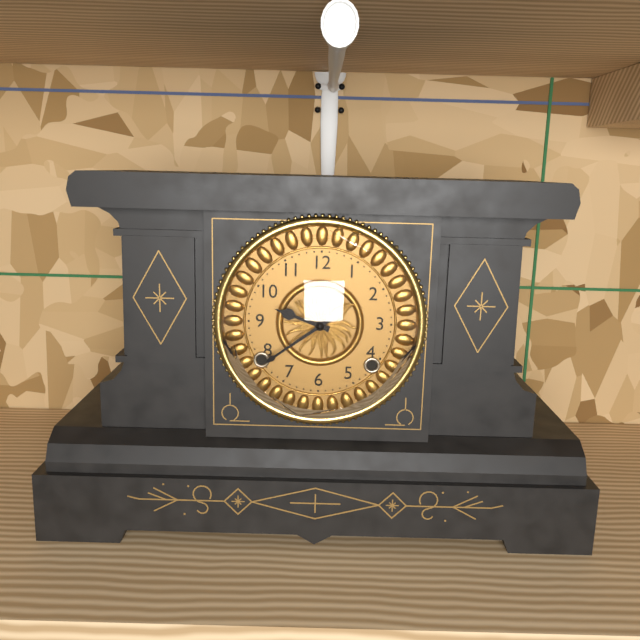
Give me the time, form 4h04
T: 9h39
